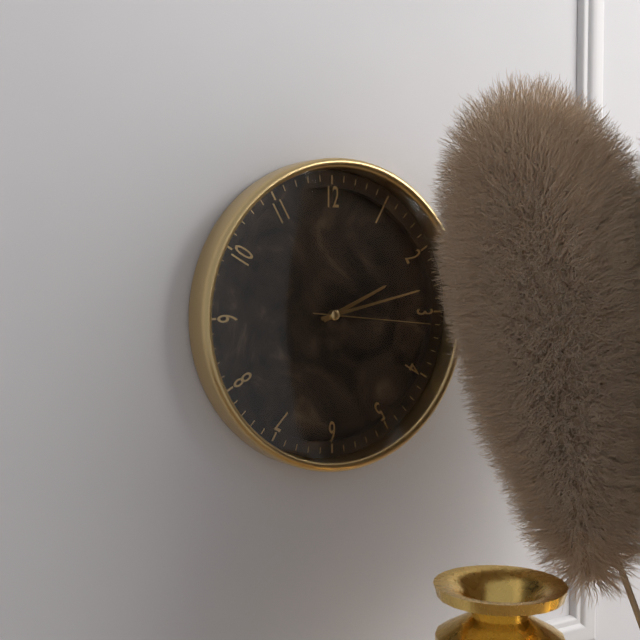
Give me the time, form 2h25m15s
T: 2h13m16s
